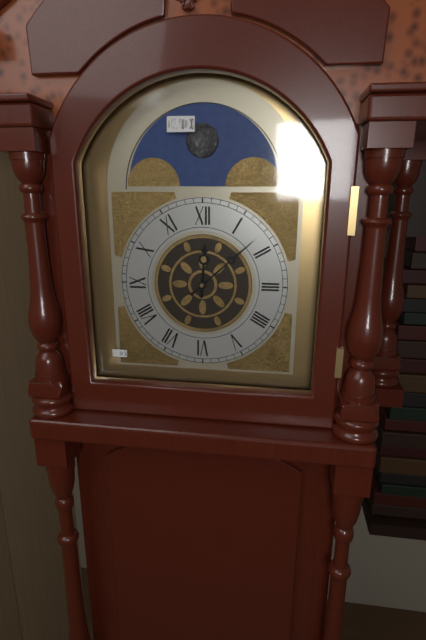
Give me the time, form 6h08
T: 12h08
